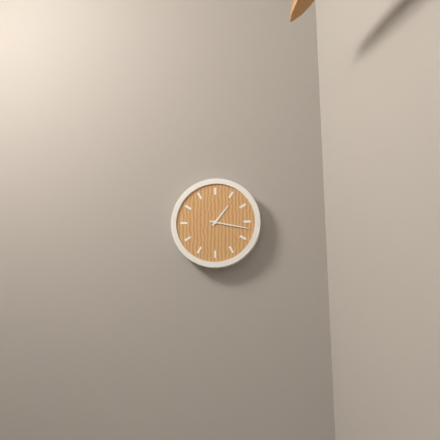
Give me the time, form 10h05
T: 1h17
